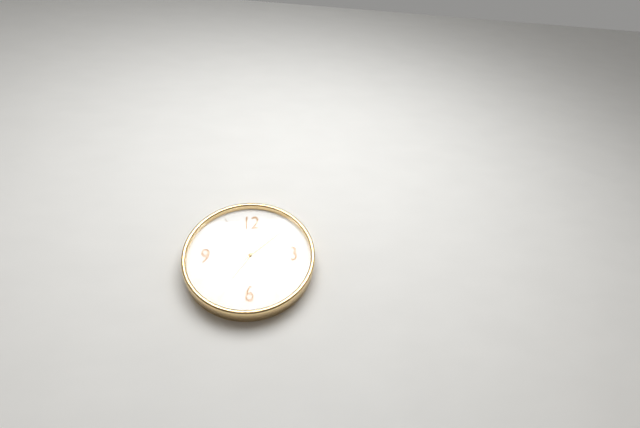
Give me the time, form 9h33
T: 7h08
